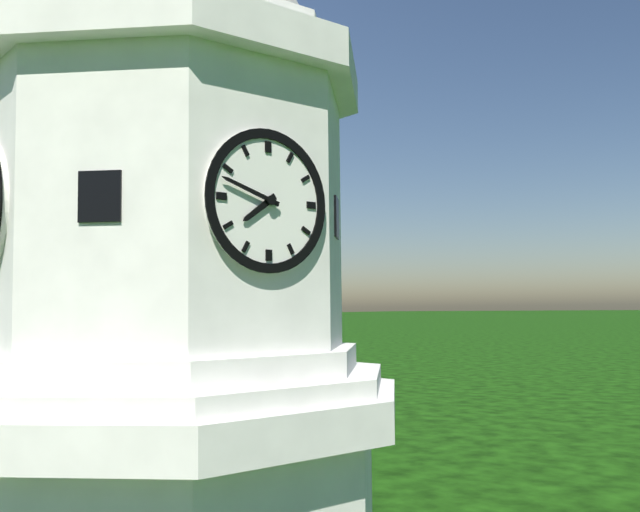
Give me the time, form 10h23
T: 7h48
